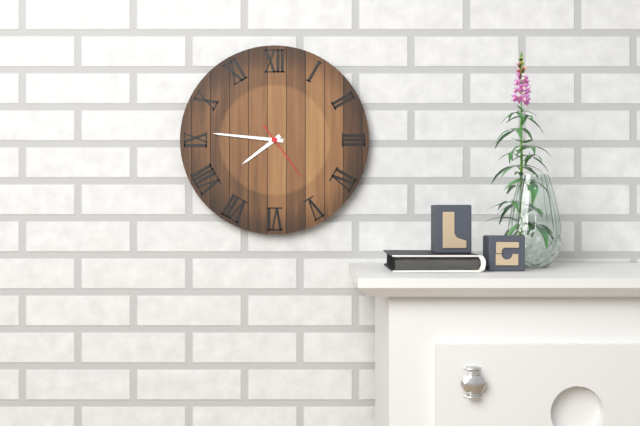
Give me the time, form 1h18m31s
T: 7h46m24s
